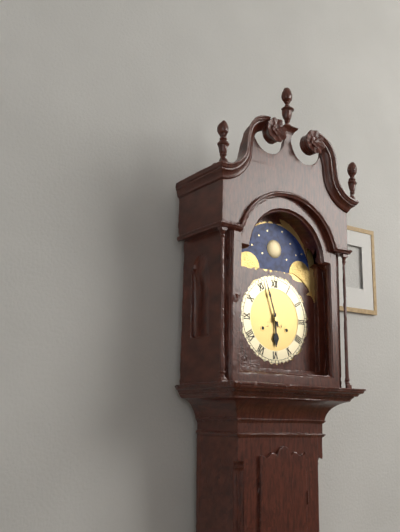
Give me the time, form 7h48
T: 5h57
